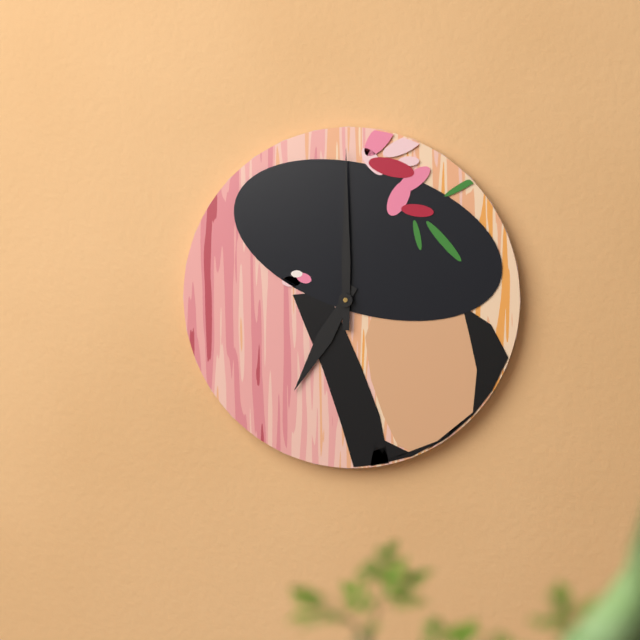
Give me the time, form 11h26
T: 7h00
